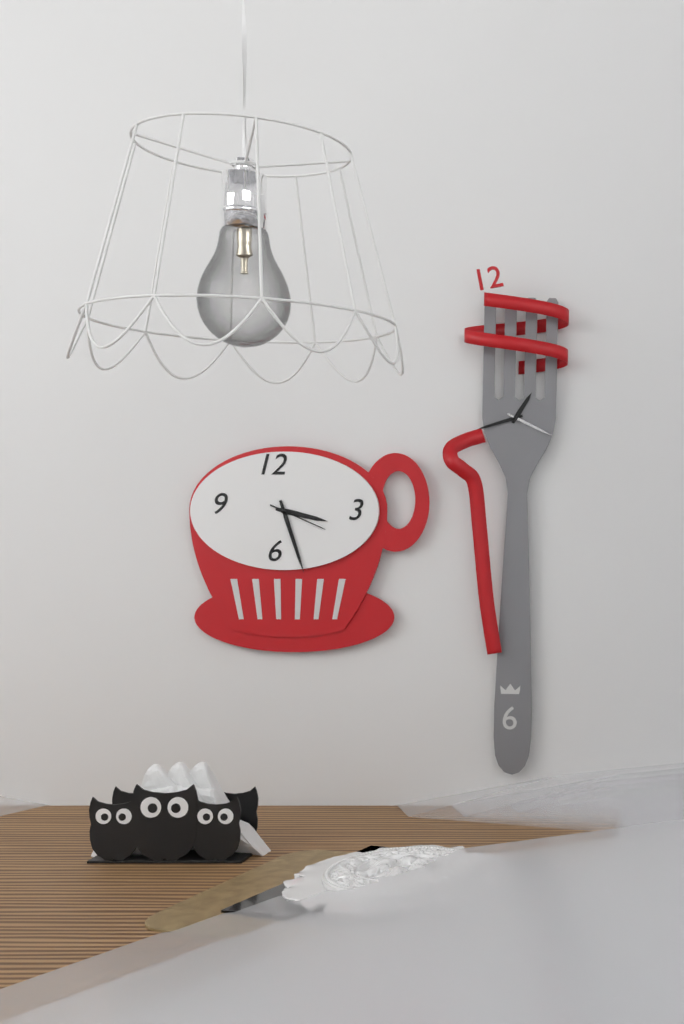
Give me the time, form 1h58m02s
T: 3h27m19s
